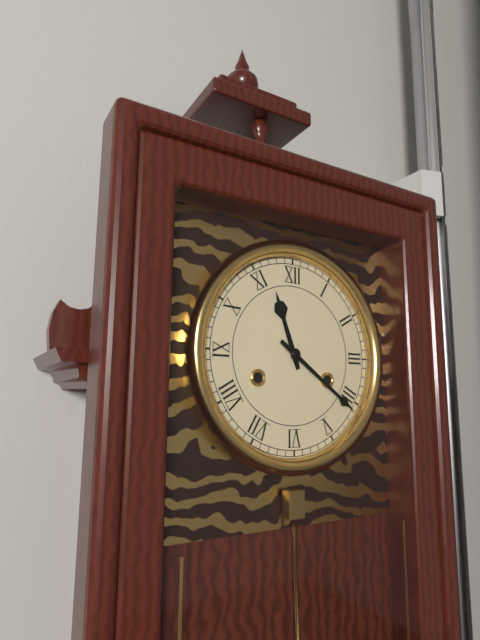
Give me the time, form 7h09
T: 11h21
